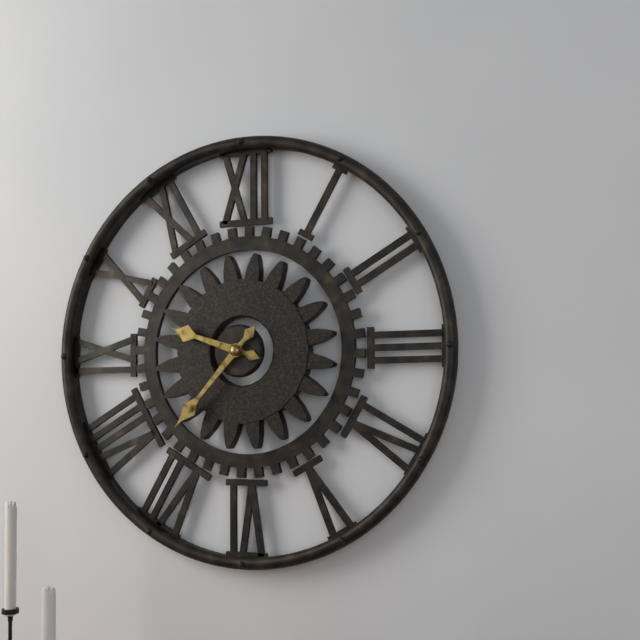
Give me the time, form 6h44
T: 9h37
